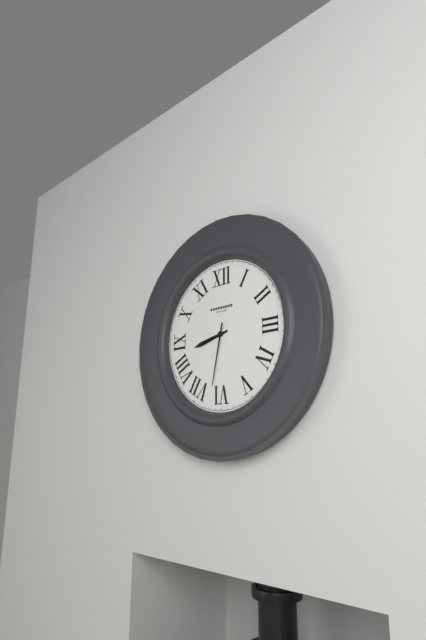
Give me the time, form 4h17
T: 8h32
